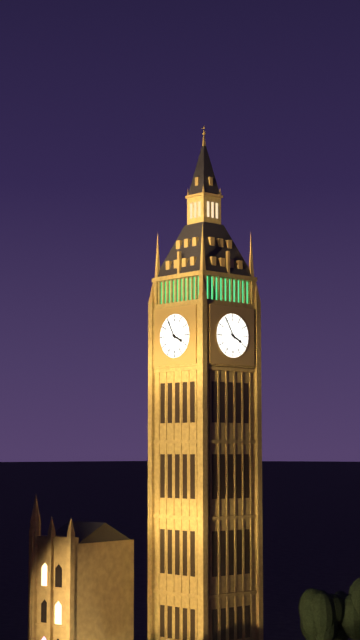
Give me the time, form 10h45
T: 3h55
